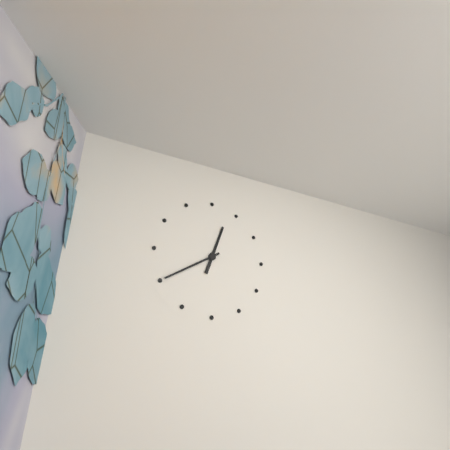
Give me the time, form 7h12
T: 12h40
